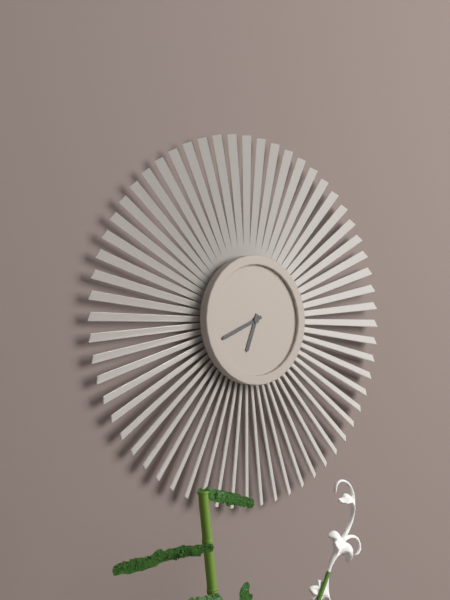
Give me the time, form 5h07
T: 6h41
